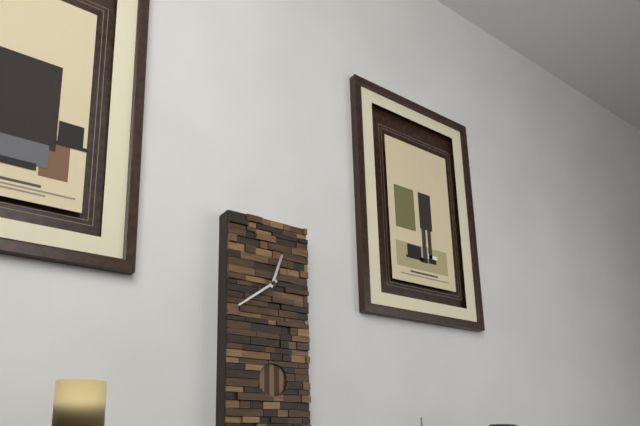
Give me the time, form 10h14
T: 12h39
